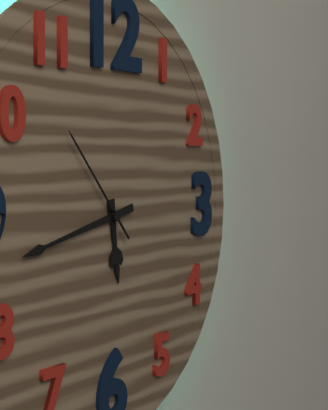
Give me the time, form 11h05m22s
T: 5h43m53s
